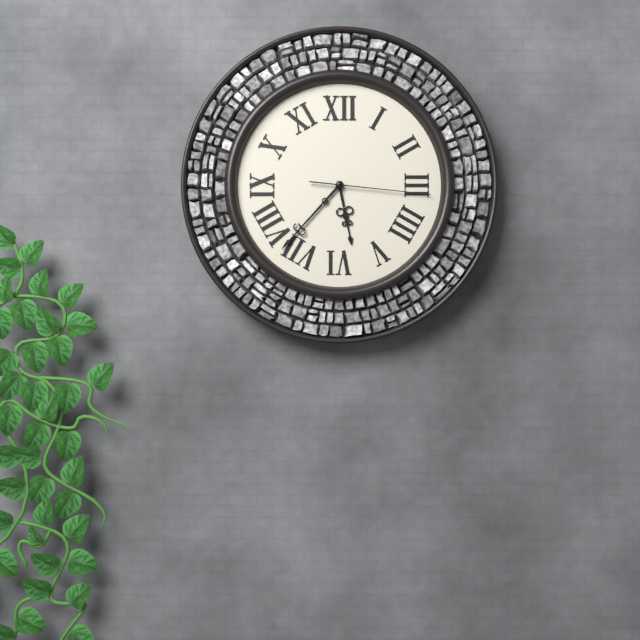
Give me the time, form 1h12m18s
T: 5h37m16s
